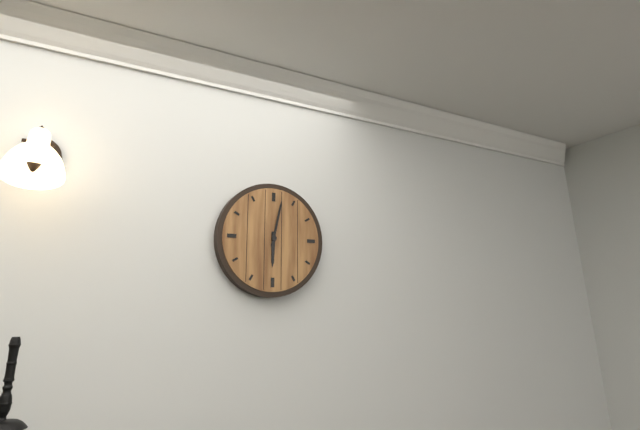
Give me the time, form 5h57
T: 6h02
